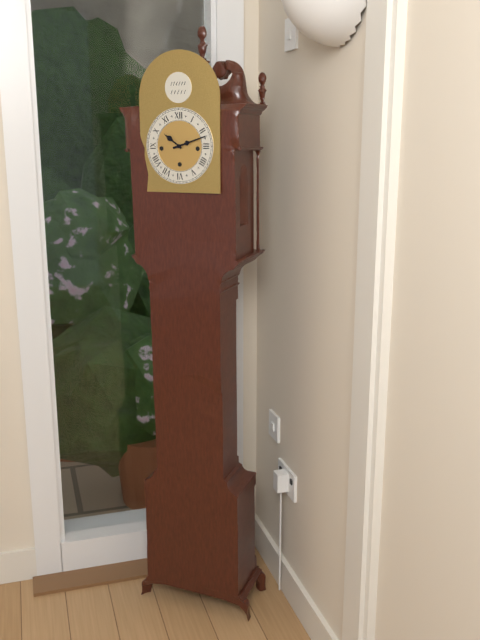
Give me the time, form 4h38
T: 10h12
